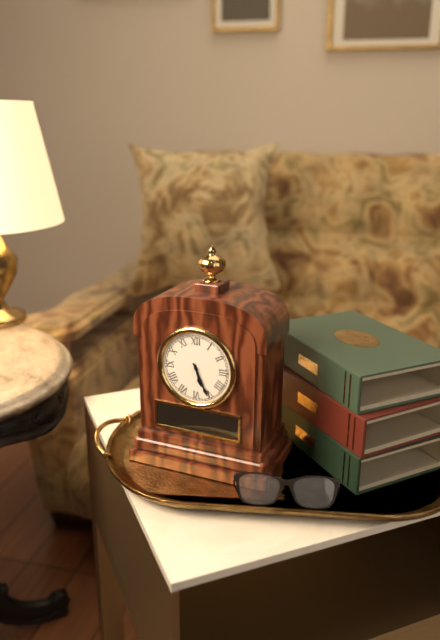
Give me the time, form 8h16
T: 5h26
